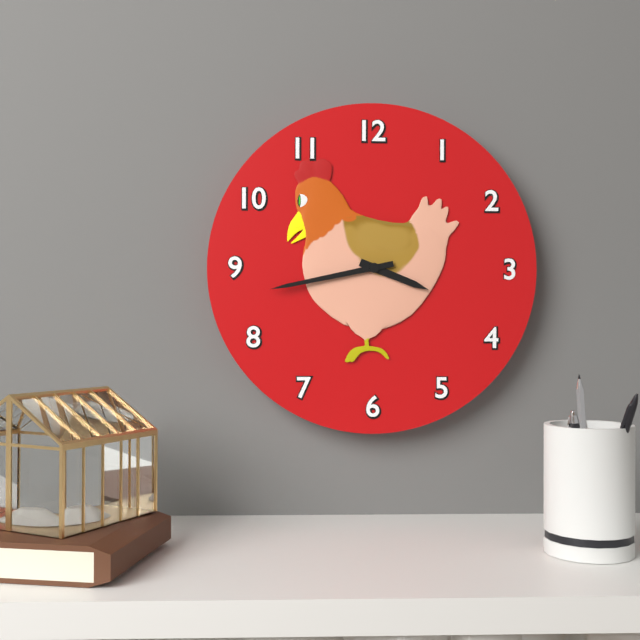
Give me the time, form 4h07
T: 3h43
